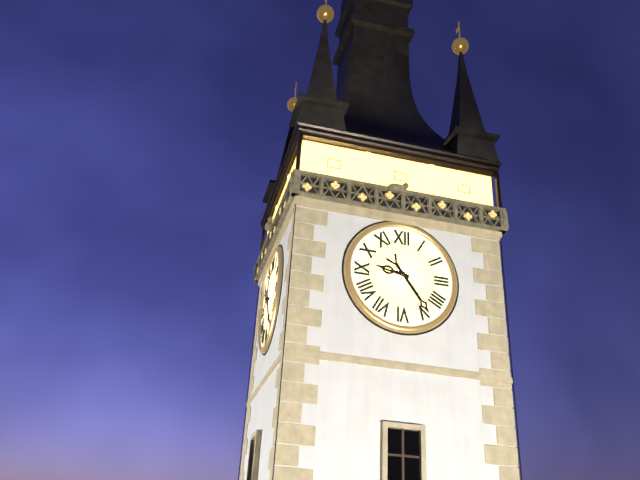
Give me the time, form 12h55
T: 9h24
